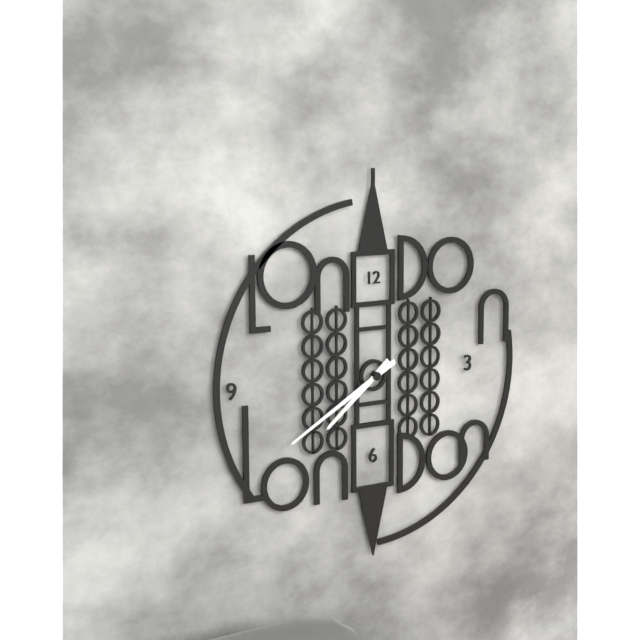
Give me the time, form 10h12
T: 7h40
